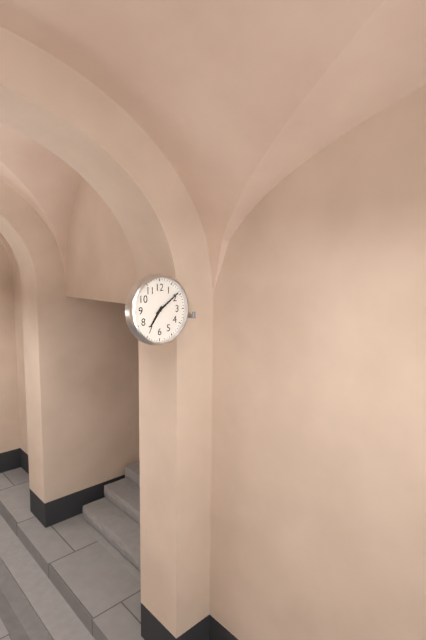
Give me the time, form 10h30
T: 7h09
